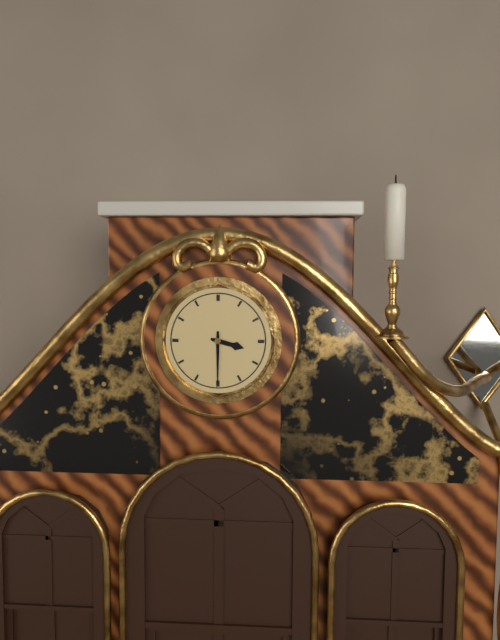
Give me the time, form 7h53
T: 3h30
